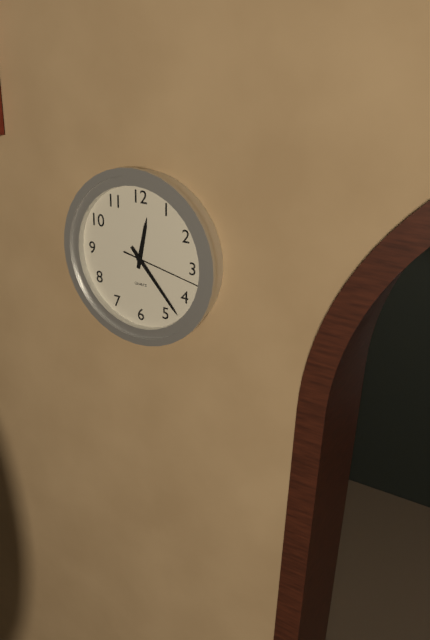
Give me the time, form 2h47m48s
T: 12h23m17s
